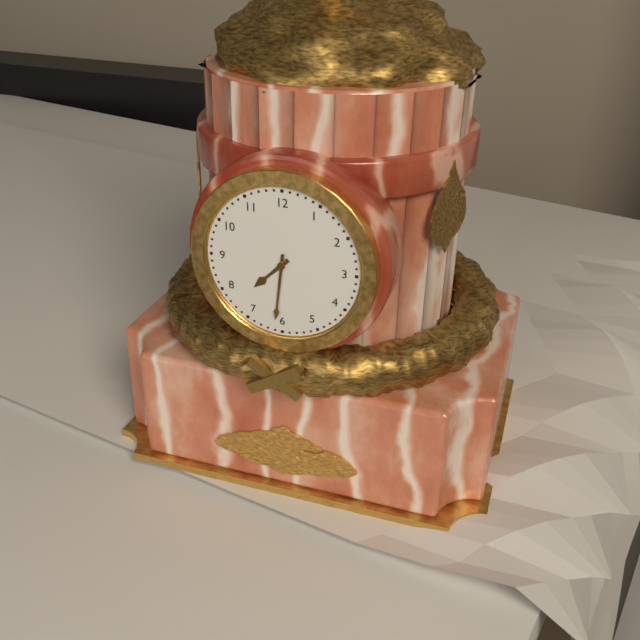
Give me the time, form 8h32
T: 7h31
